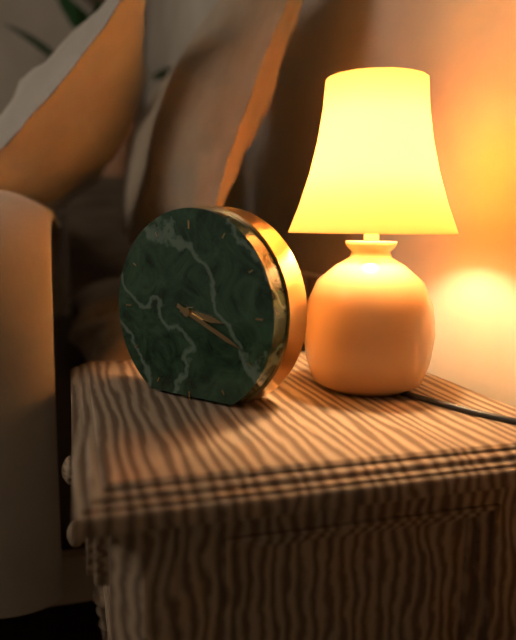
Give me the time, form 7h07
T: 3h19
